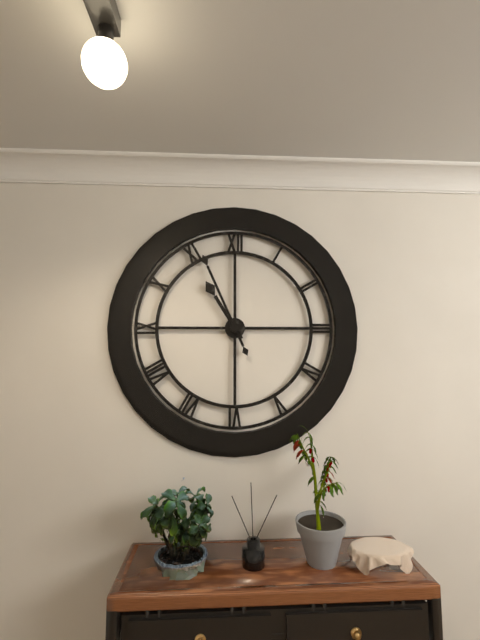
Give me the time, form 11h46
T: 10h56
